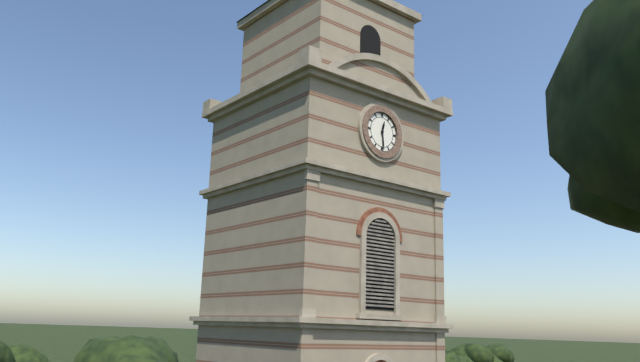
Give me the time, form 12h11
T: 12h29
